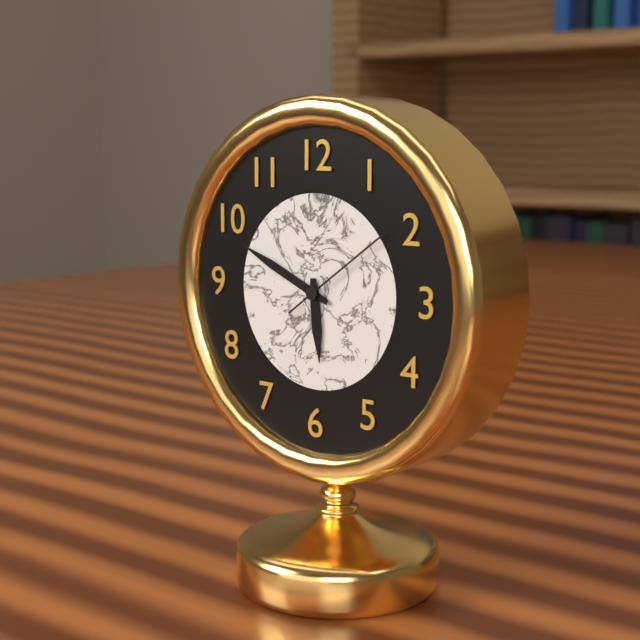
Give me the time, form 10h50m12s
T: 5h49m09s
